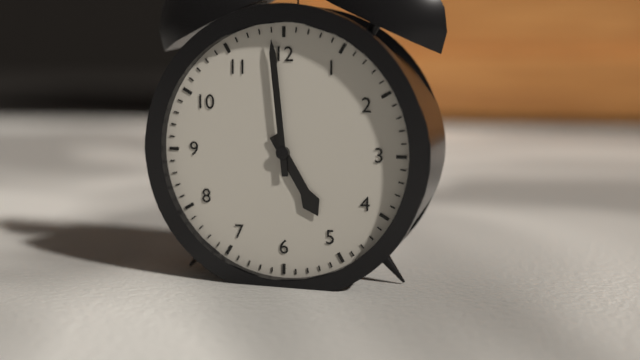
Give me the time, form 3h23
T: 4h59
